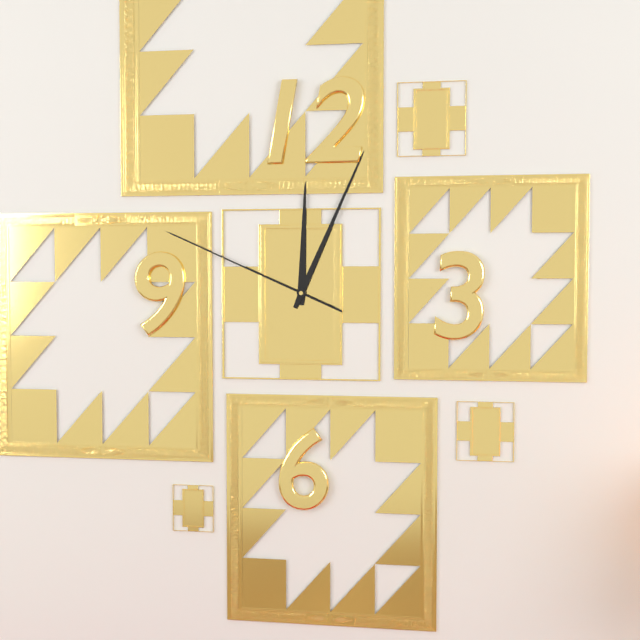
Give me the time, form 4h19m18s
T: 12h04m49s
